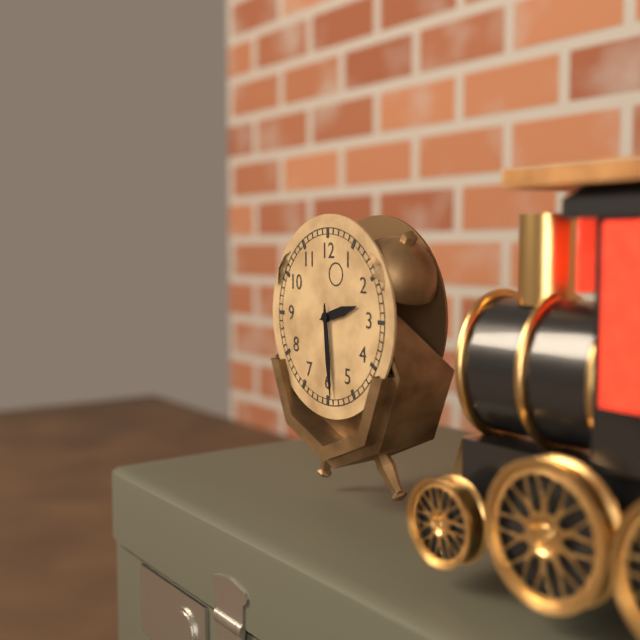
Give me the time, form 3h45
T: 2h29
